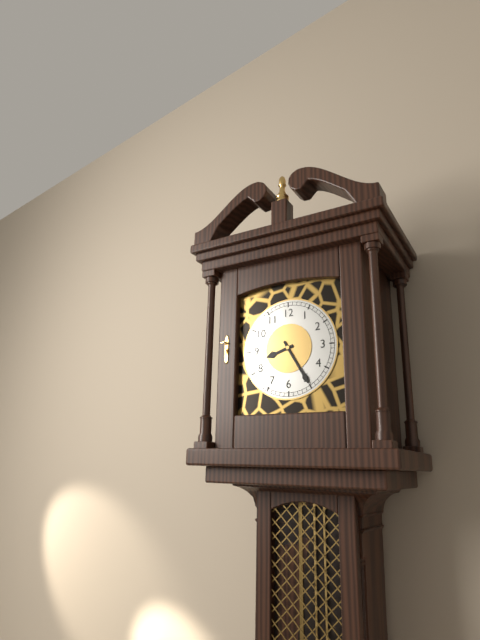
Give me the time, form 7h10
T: 8h25
